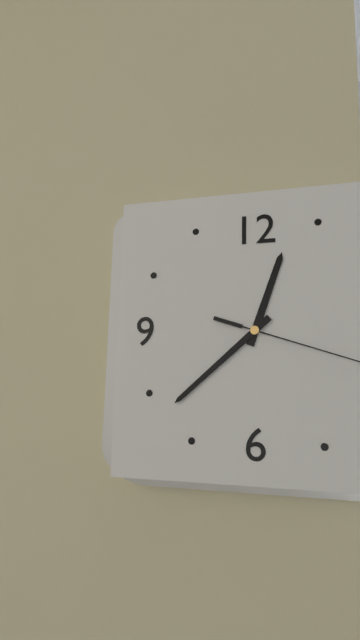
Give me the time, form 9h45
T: 12h38
